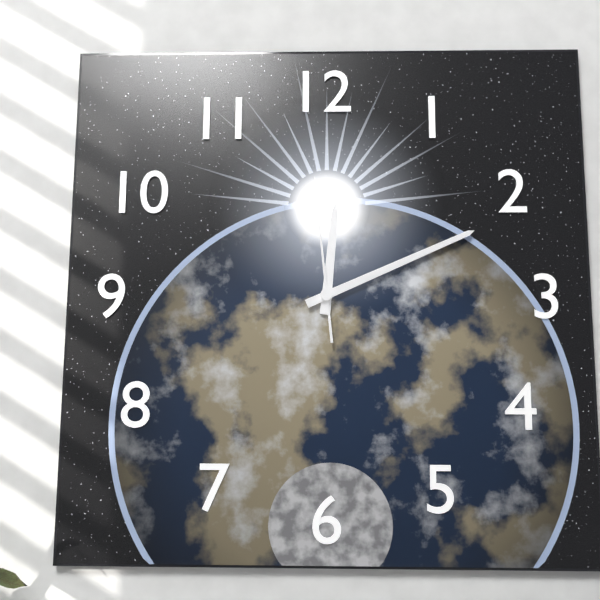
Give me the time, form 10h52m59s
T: 12h11m59s
